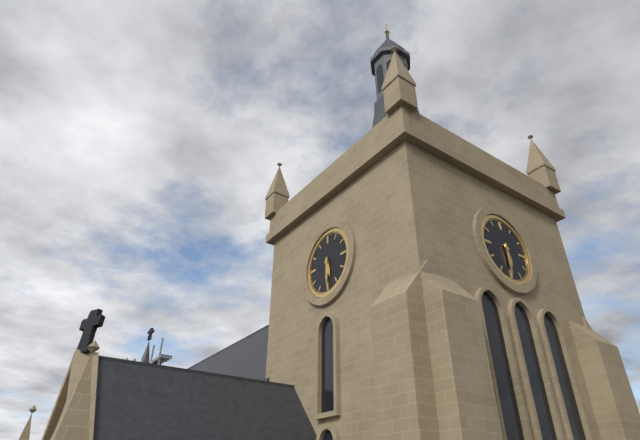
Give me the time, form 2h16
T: 5h30
